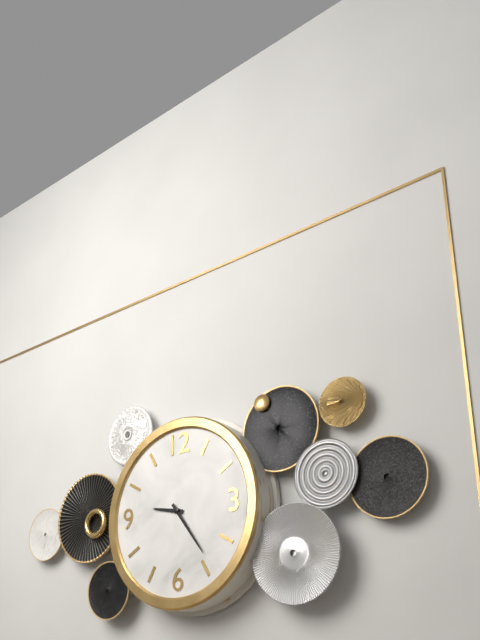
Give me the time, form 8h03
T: 9h24
